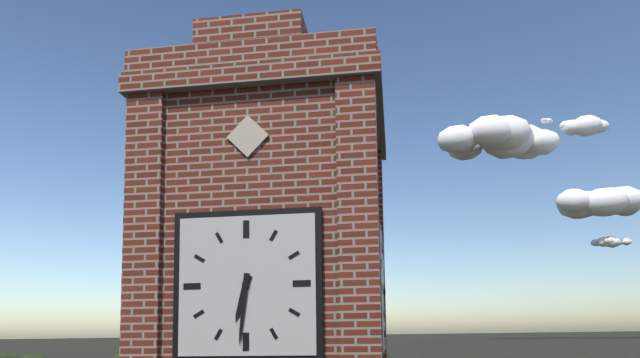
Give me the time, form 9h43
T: 6h31
